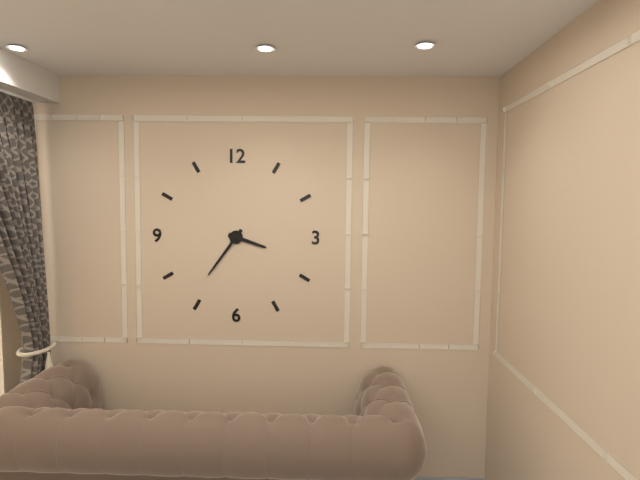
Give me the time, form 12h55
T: 3h36
